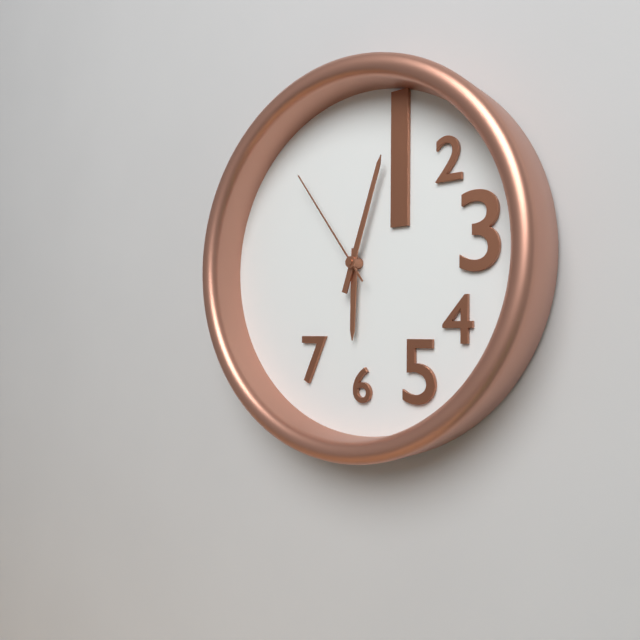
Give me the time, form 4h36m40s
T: 6h03m54s
